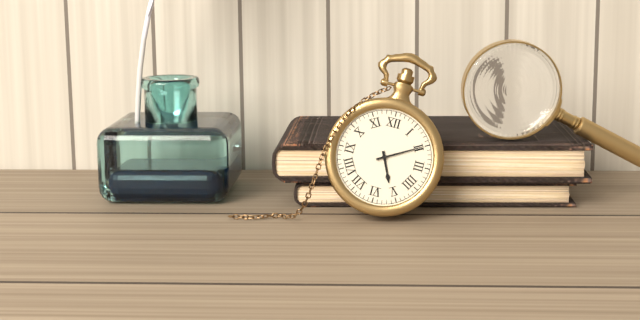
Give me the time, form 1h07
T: 5h10
